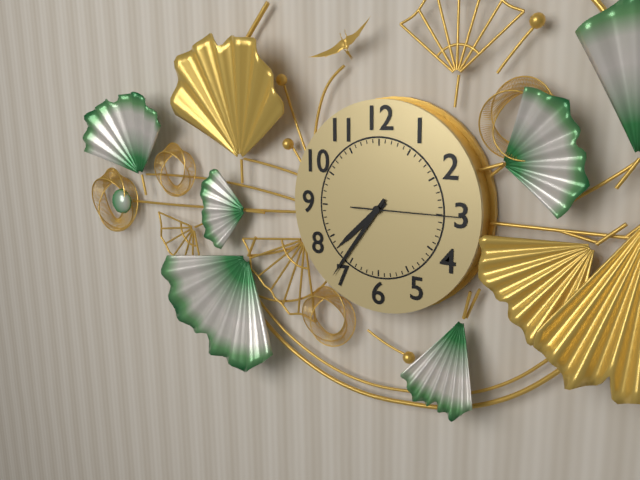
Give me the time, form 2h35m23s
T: 7h36m15s
